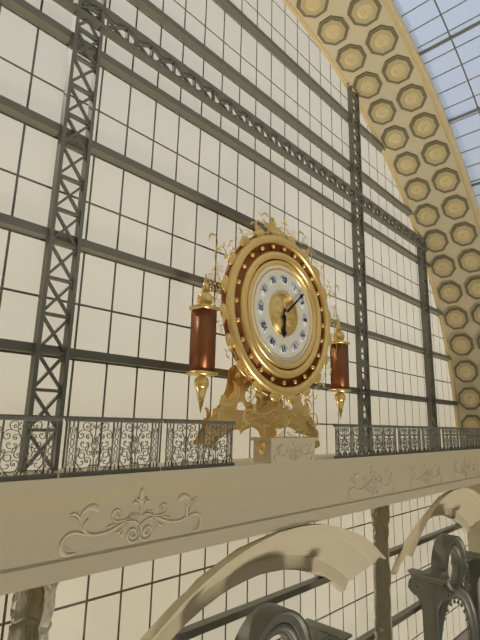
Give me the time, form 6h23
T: 6h08
